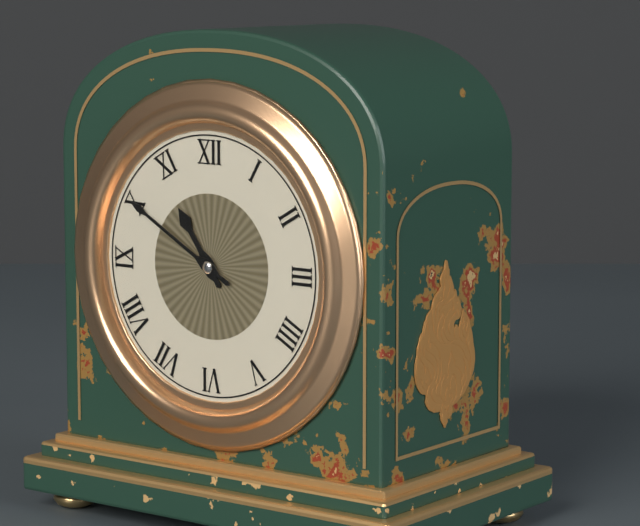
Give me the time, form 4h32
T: 10h50
